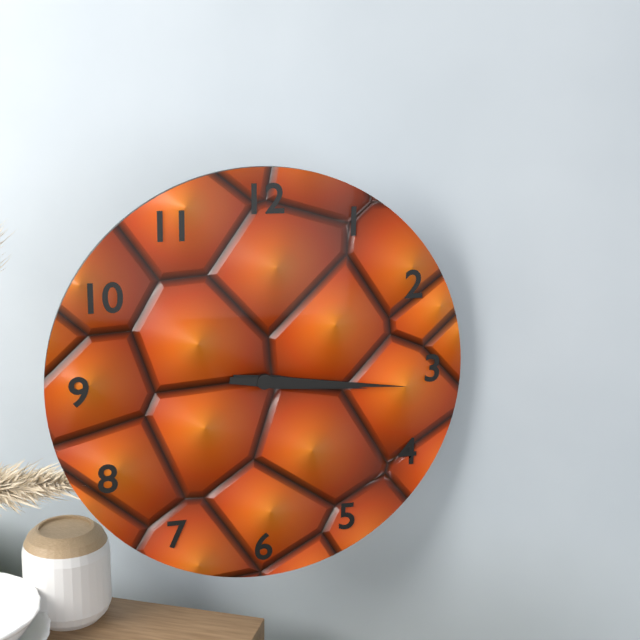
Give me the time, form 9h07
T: 3h16
